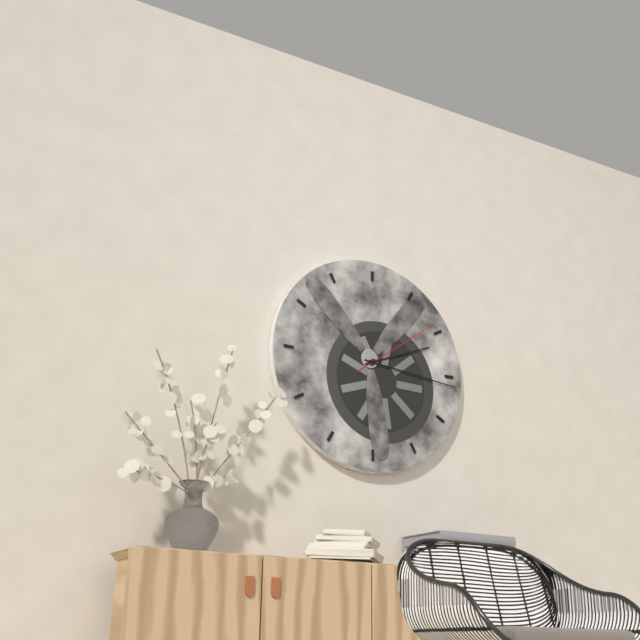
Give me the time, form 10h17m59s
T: 2h16m09s
